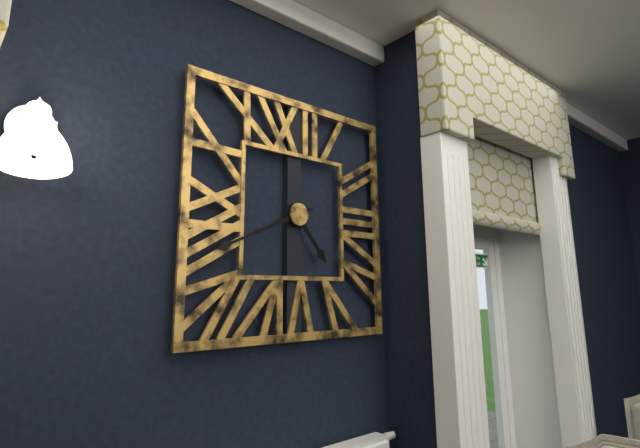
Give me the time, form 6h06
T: 4h41
